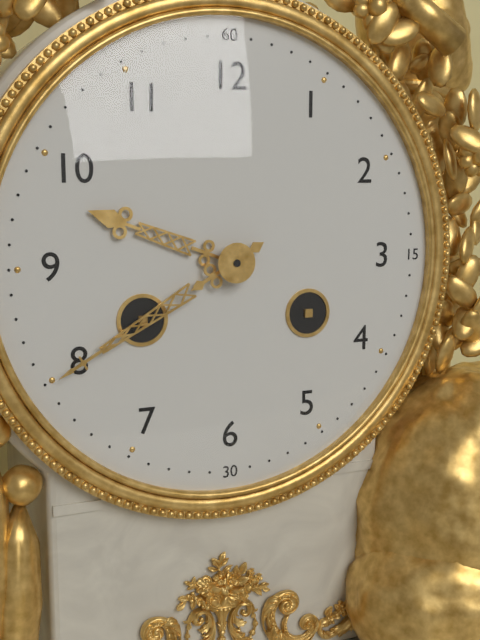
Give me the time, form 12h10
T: 9h40
